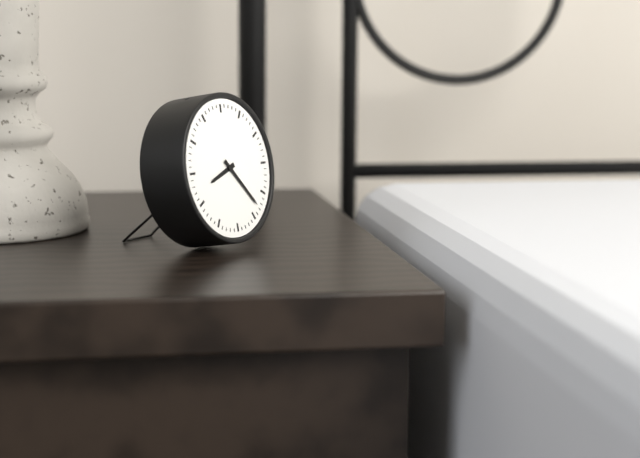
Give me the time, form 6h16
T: 8h23
